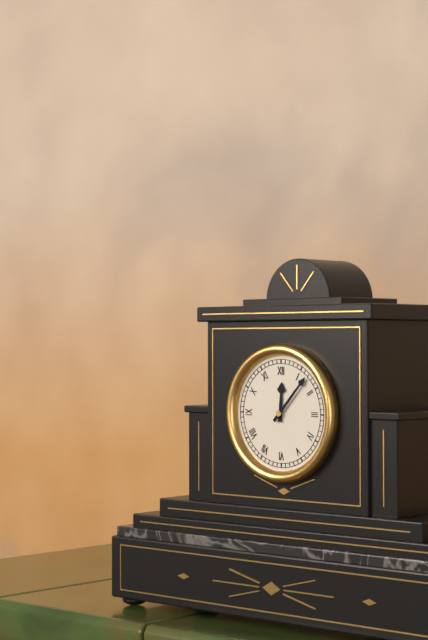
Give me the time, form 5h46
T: 12h07
